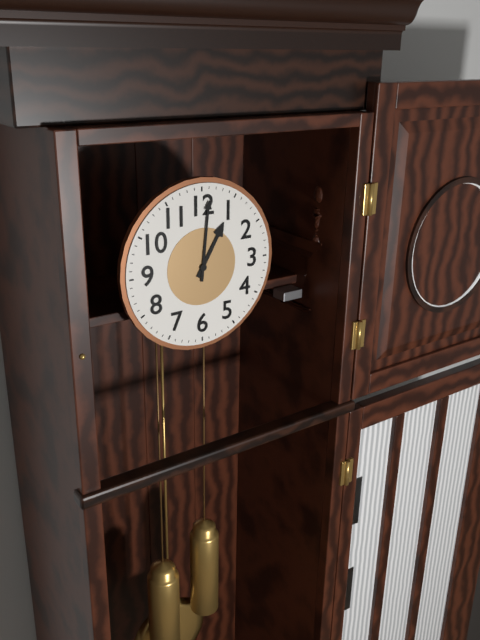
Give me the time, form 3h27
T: 1h01
